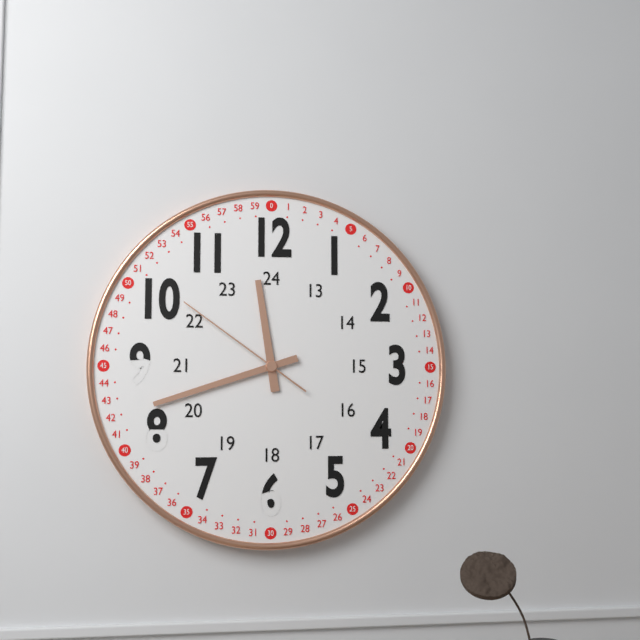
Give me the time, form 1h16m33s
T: 11h42m51s
